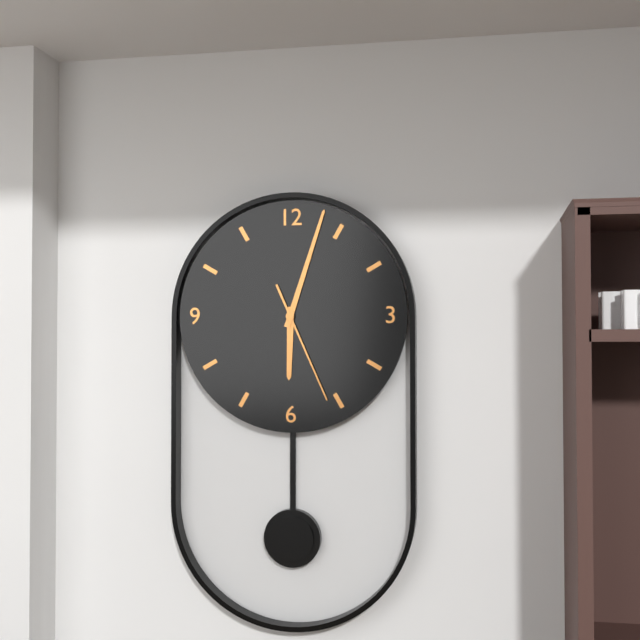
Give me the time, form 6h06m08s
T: 6h03m26s
